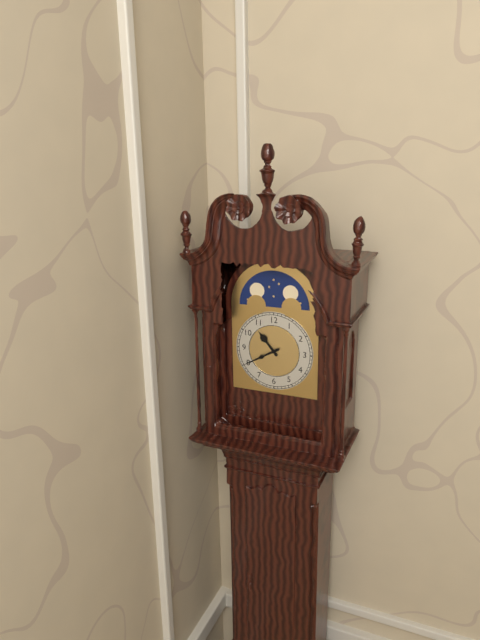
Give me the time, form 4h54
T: 10h40
